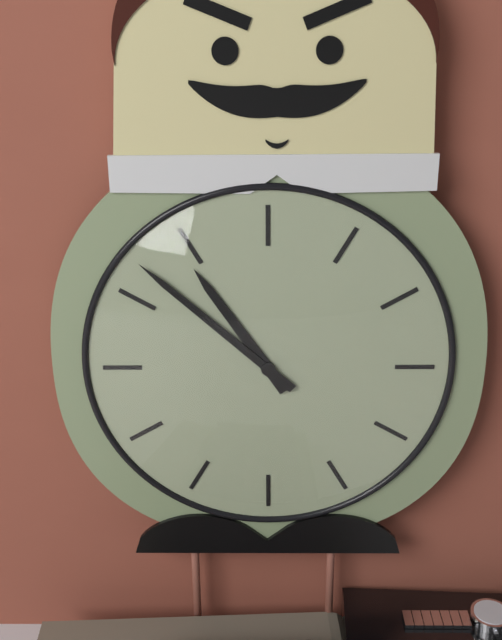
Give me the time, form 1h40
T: 10h52
